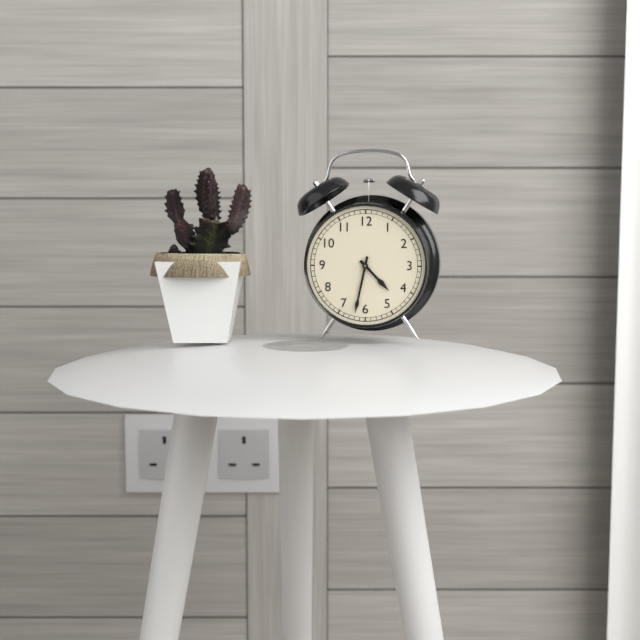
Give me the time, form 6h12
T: 4h32
